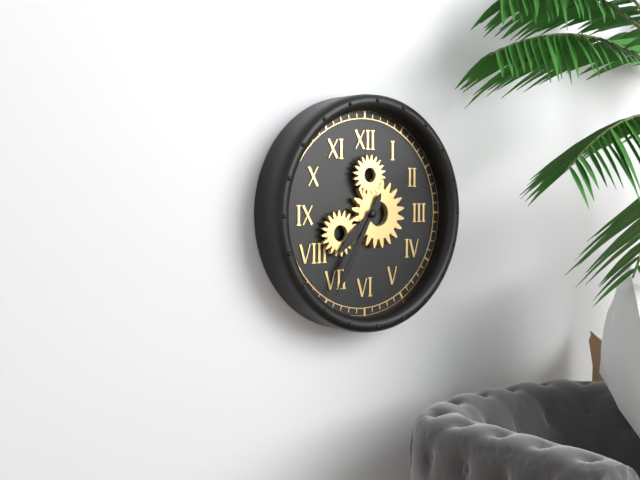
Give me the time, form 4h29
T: 7h35
